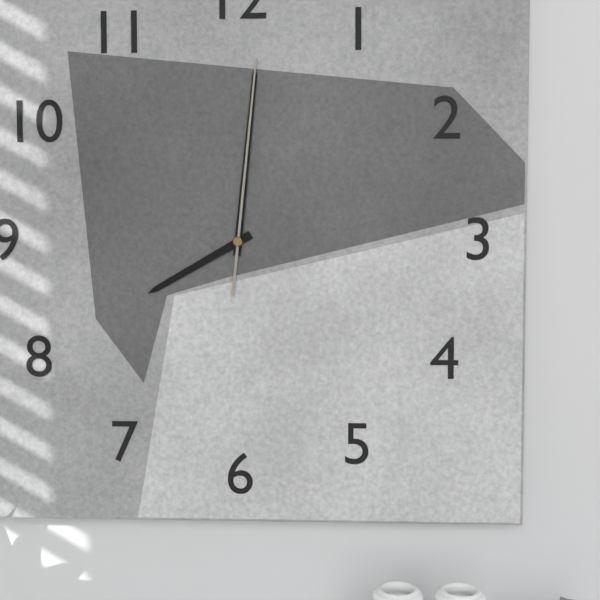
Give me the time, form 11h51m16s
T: 8h01m01s
